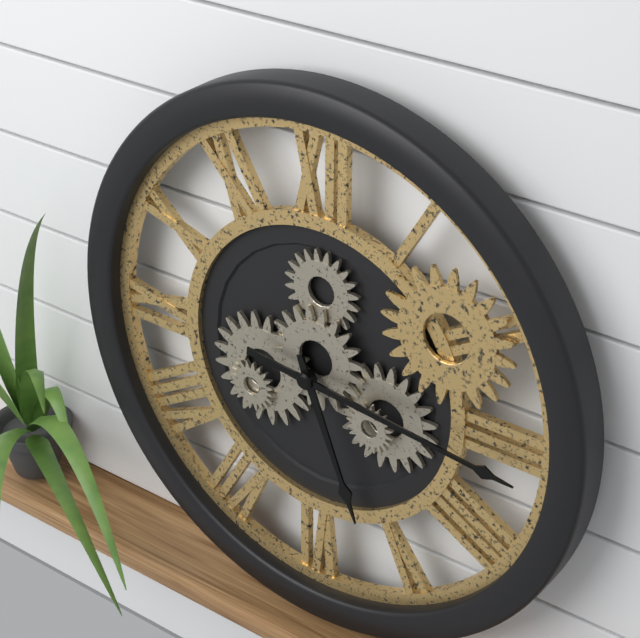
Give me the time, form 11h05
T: 5h16
